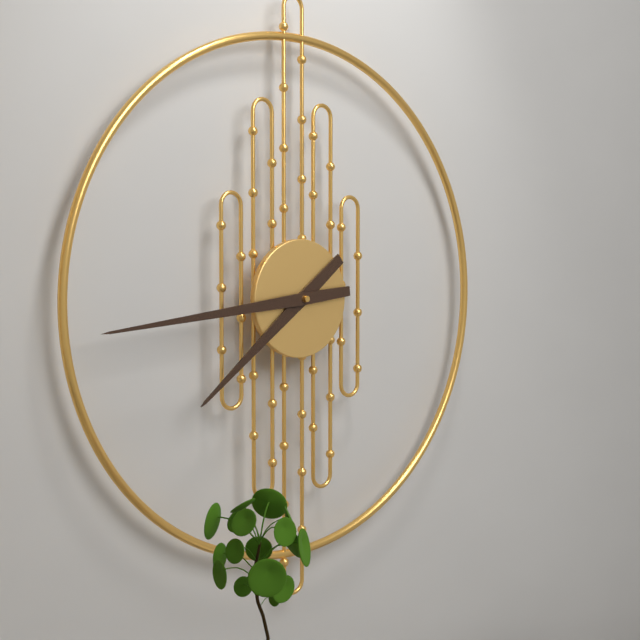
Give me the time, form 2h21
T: 7h44
